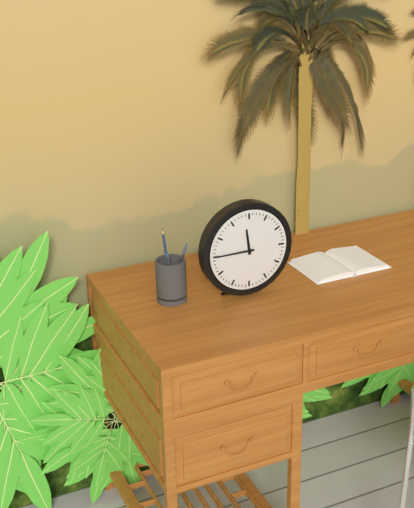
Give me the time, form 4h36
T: 11h45
